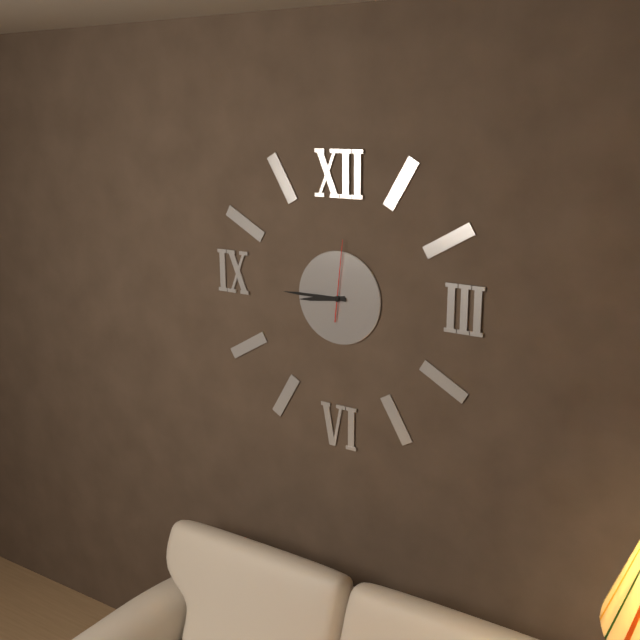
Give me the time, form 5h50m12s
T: 8h45m01s
